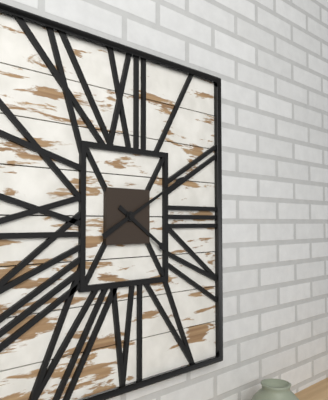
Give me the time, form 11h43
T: 4h10
